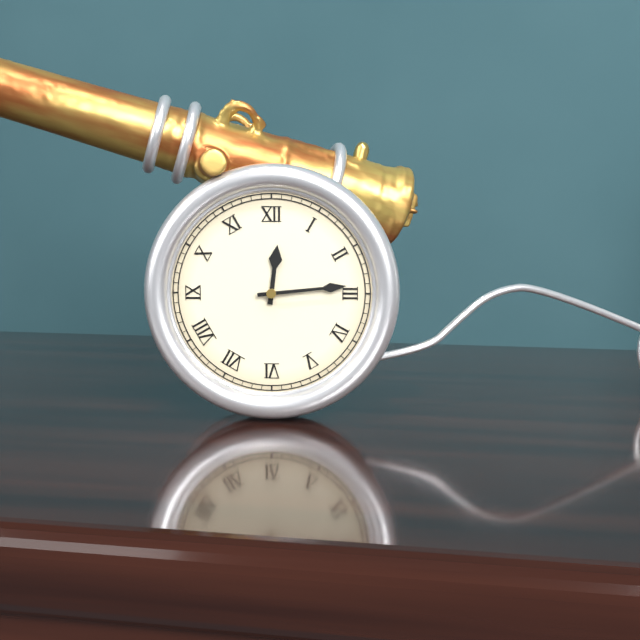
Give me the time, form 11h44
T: 12h14
